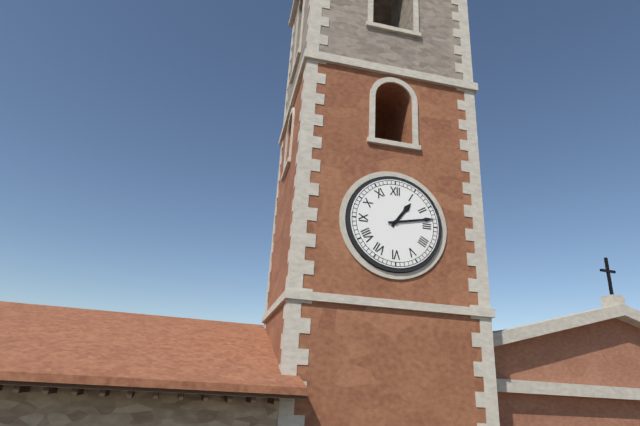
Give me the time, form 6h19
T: 1h13
